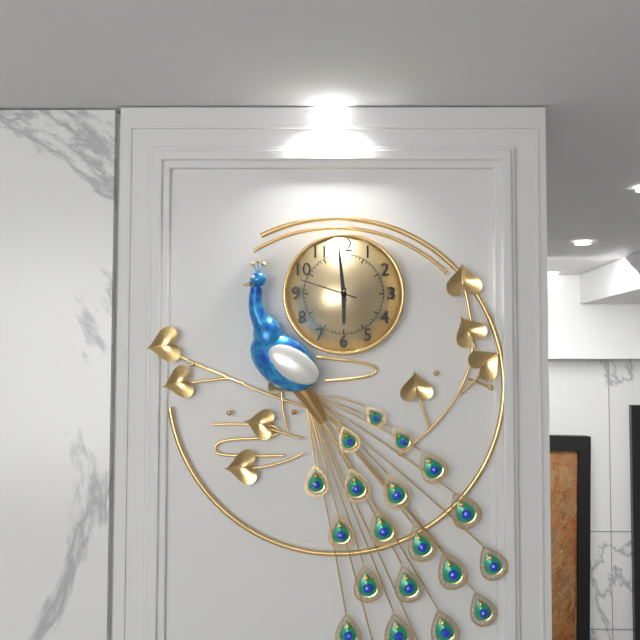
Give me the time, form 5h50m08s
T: 5h59m48s
